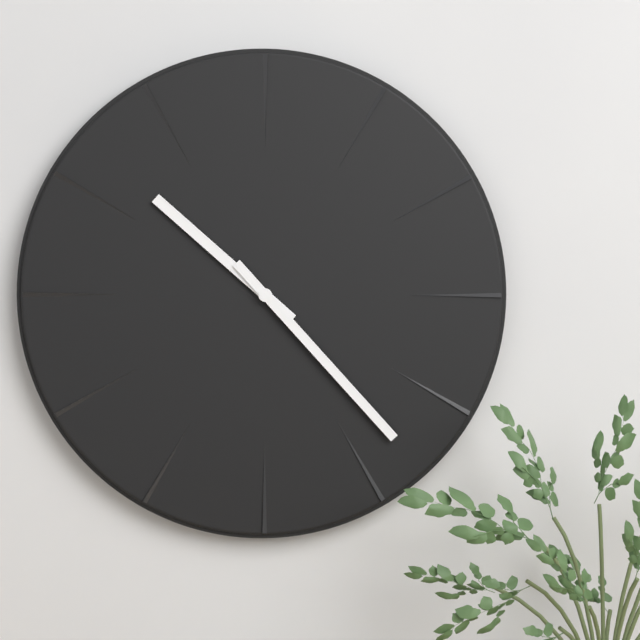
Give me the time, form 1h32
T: 10h23
